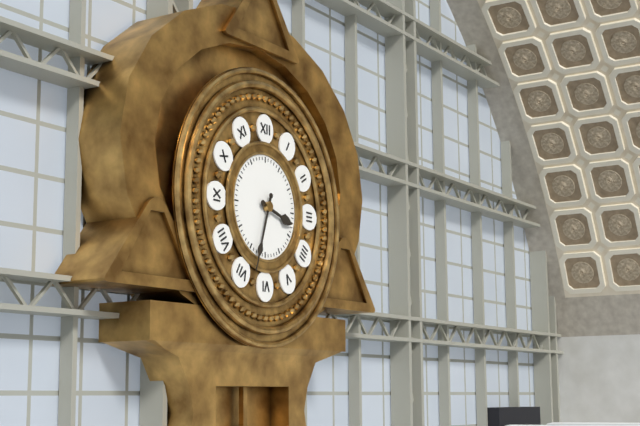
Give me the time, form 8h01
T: 3h33
